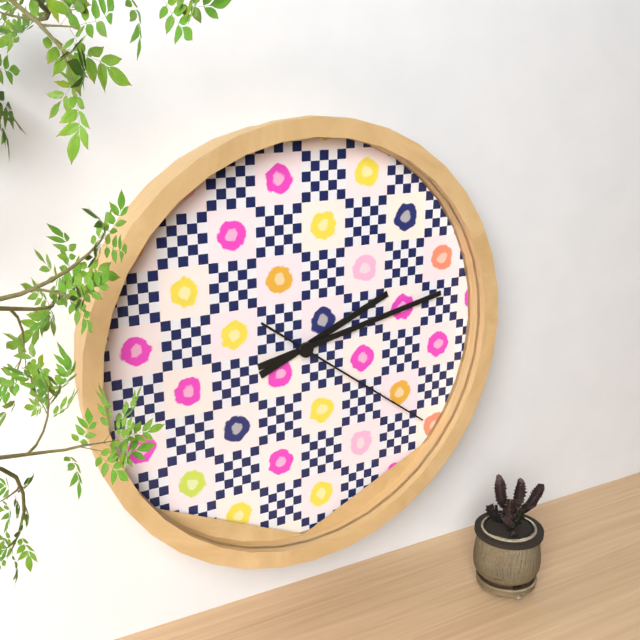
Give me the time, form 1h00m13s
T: 2h13m21s
